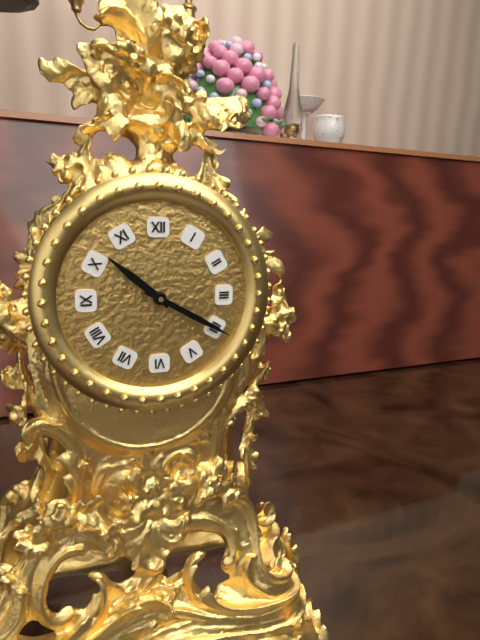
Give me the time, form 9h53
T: 10h20
